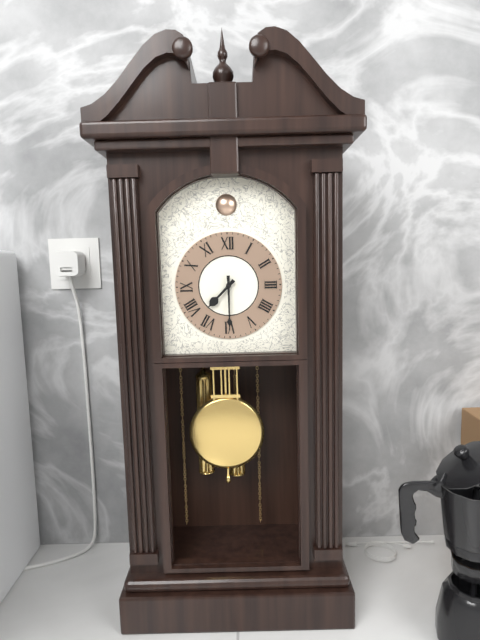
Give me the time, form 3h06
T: 7h30
